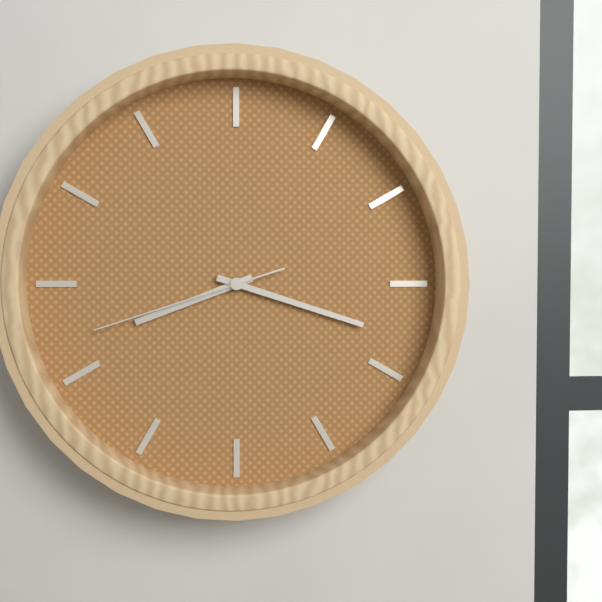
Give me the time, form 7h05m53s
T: 8h18m42s
